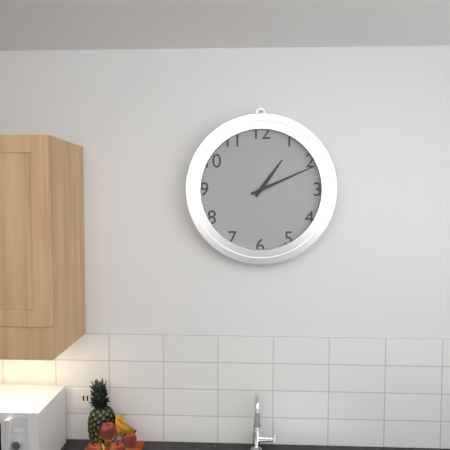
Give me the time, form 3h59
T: 1h11
